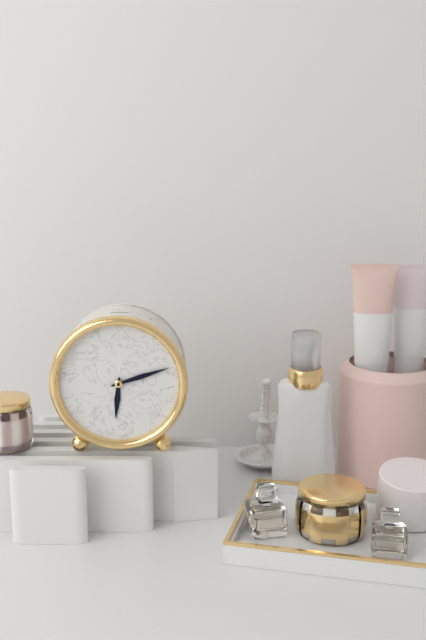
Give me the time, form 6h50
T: 6h12
